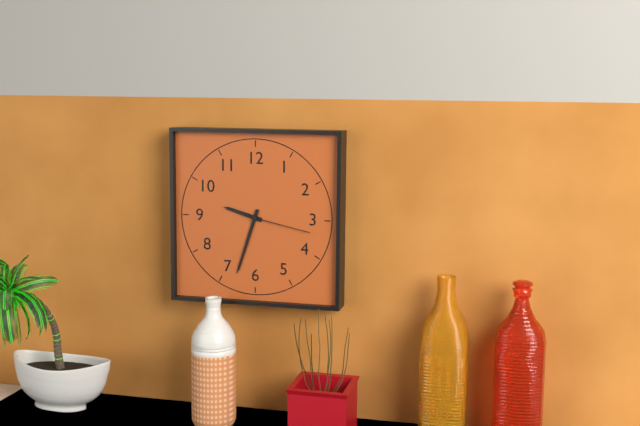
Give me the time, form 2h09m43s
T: 9h33m17s
